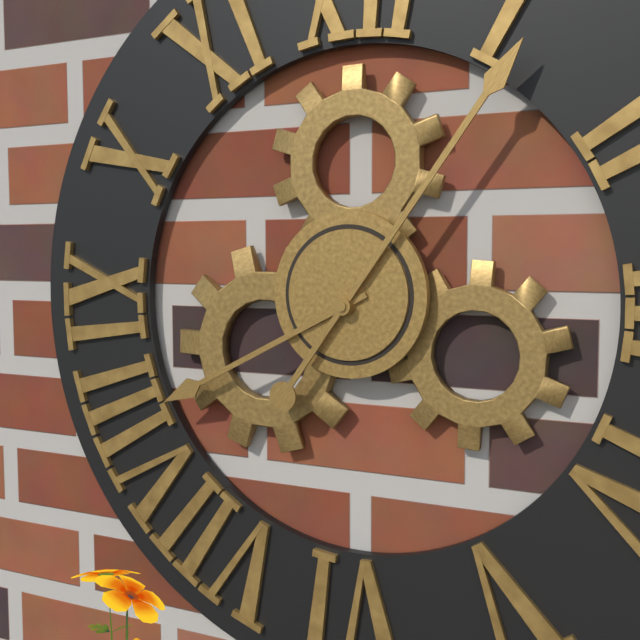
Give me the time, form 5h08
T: 8h06
